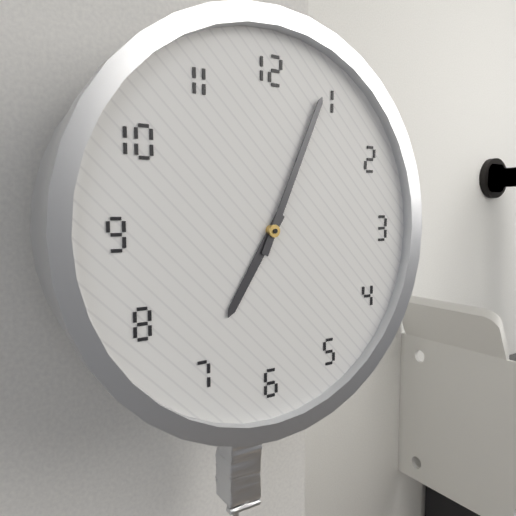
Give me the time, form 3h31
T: 7h04
